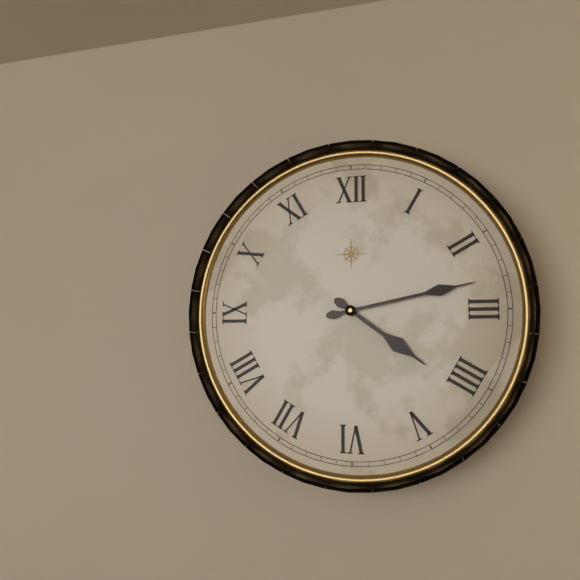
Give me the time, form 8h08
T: 4h13
